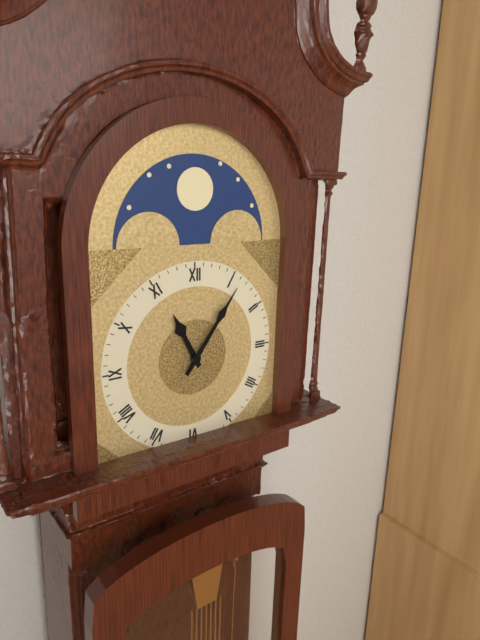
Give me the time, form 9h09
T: 11h06
